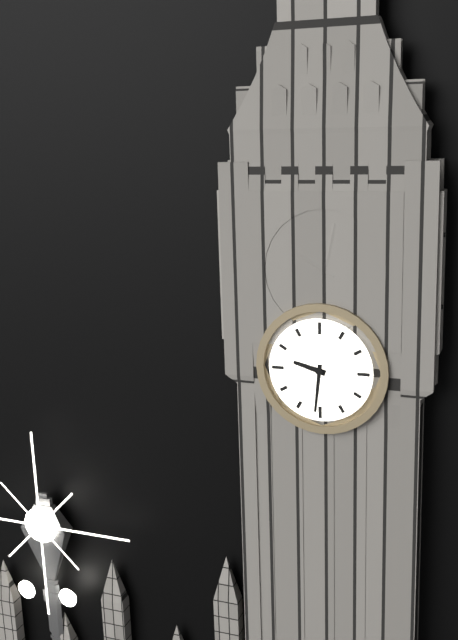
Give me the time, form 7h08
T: 9h31
